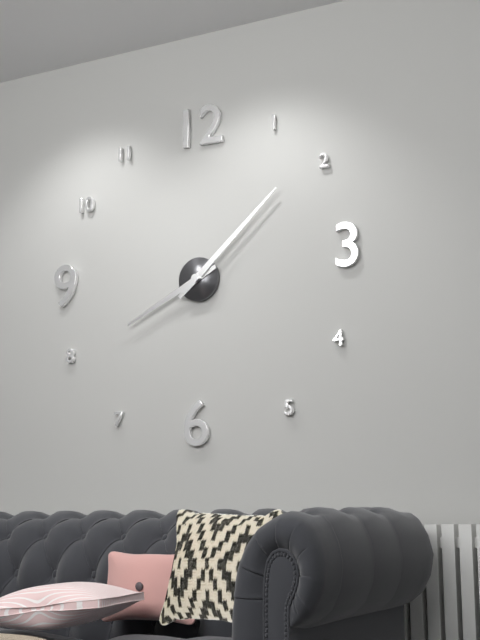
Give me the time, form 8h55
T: 8h08
